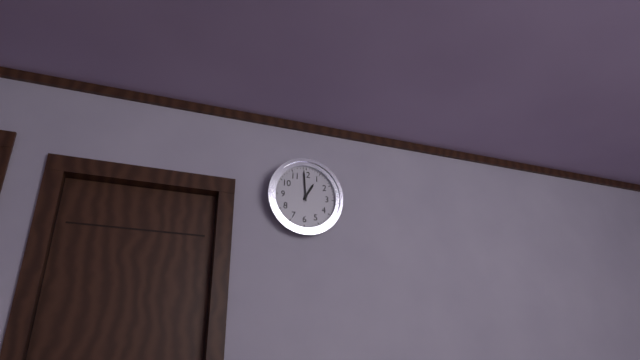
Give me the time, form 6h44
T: 12h59
